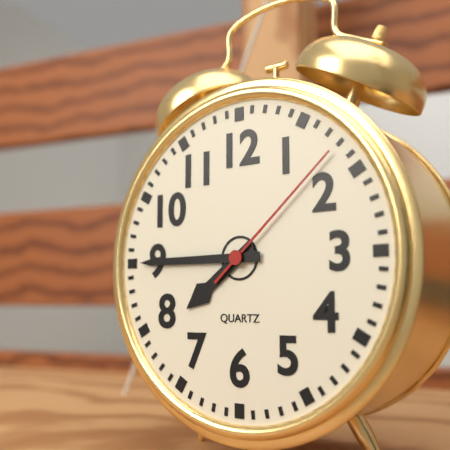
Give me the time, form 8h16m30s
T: 7h45m08s
